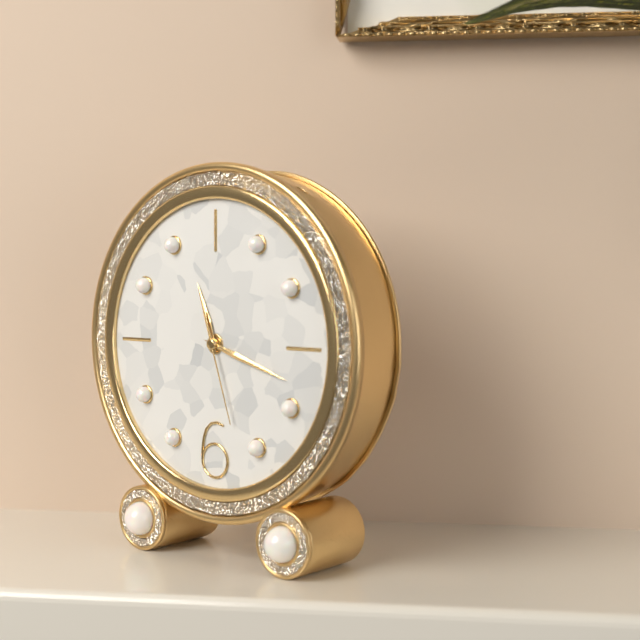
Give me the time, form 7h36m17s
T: 11h18m27s
